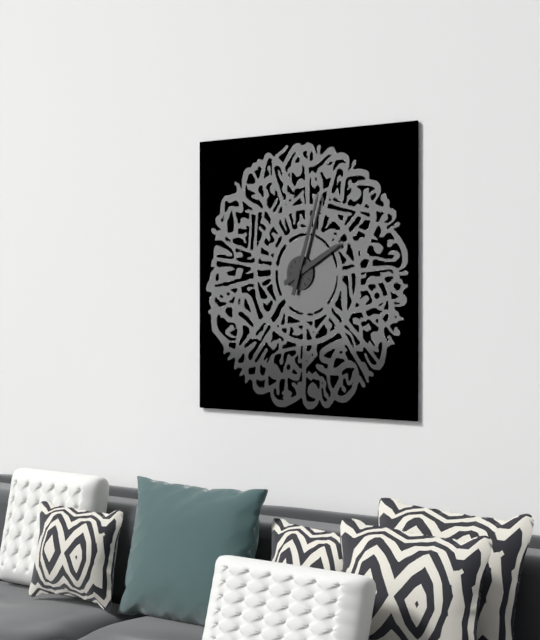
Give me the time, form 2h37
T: 2h03
